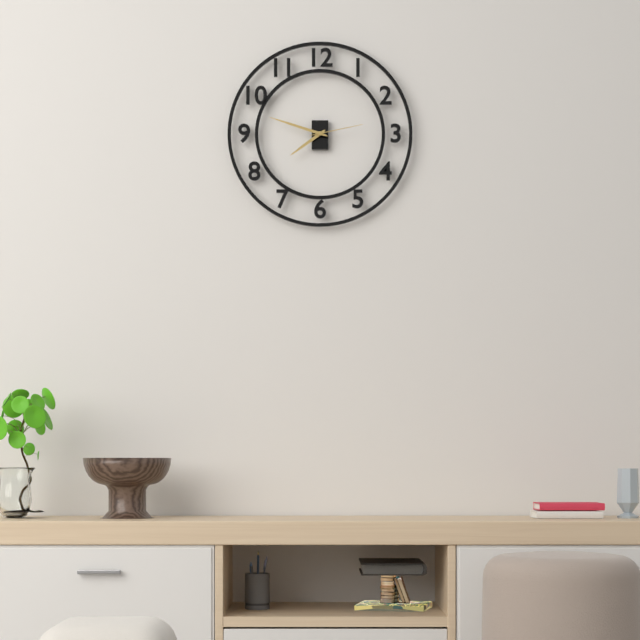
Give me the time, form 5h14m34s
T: 7h48m13s
